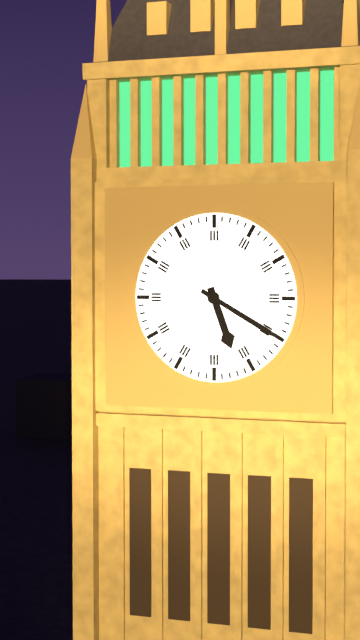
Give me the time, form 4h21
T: 5h20
